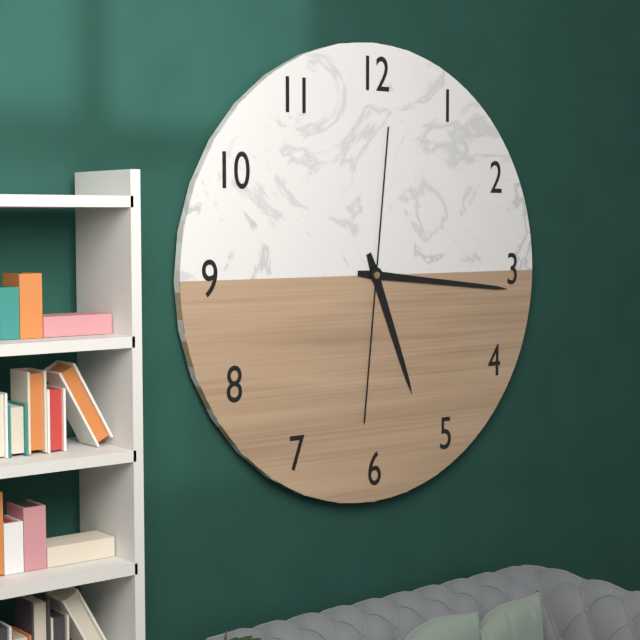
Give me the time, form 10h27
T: 5h16
